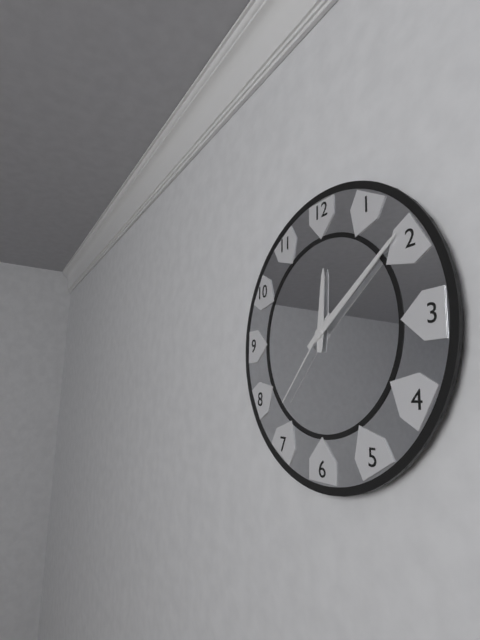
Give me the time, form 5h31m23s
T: 12h09m37s
